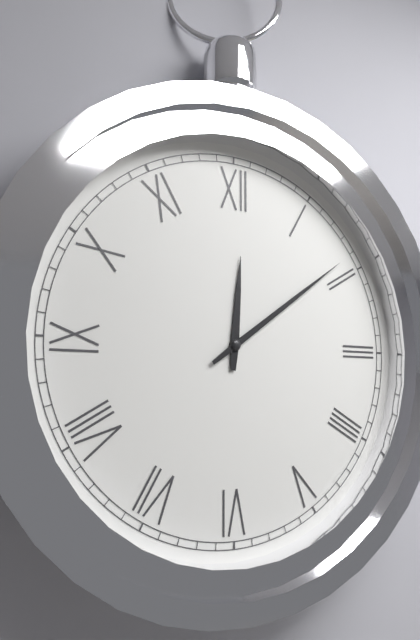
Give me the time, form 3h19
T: 12h09
